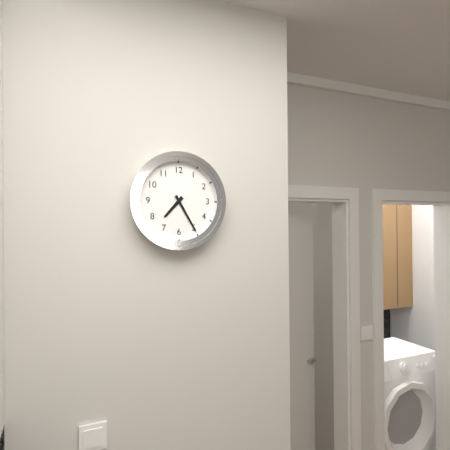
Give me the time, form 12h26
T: 7h25
